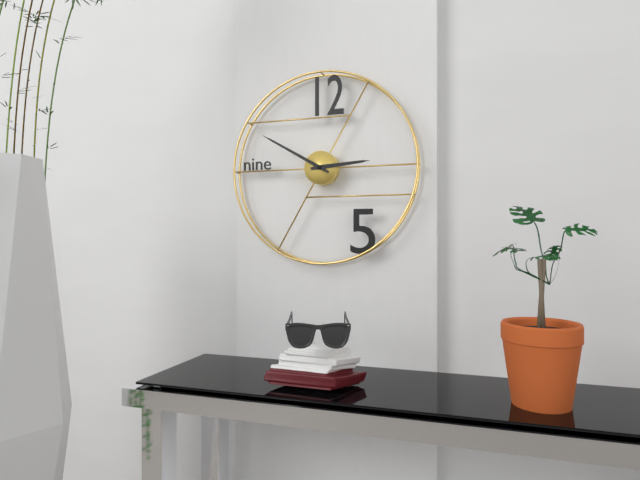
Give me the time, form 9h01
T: 2h50
